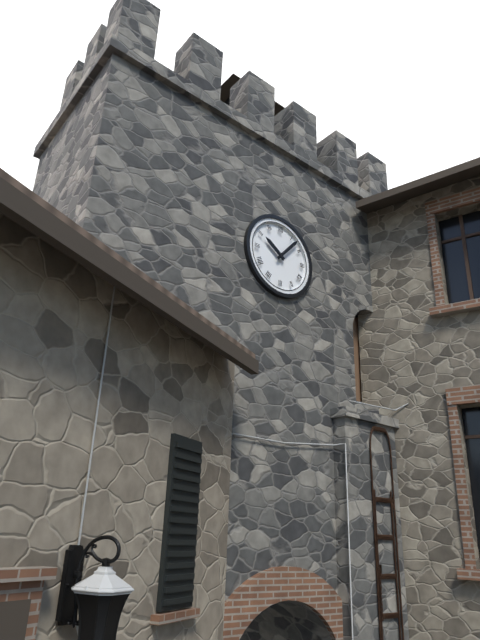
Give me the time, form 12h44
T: 10h07
